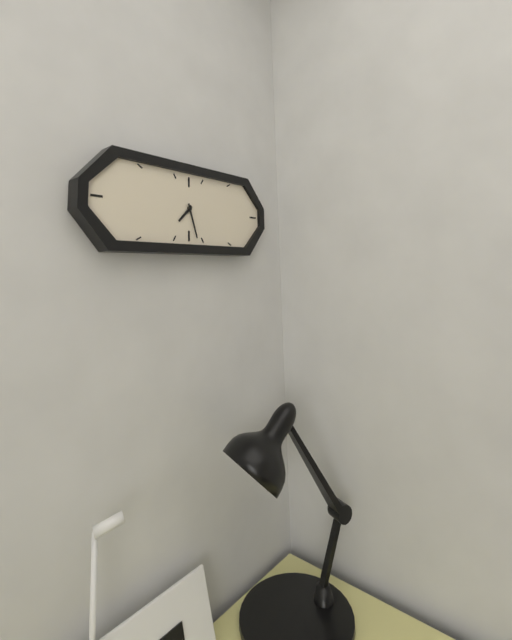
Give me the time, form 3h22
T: 7h27
